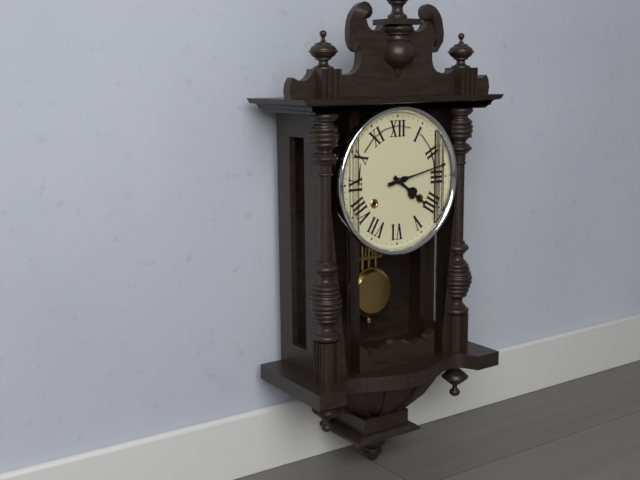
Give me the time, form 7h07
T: 4h13
